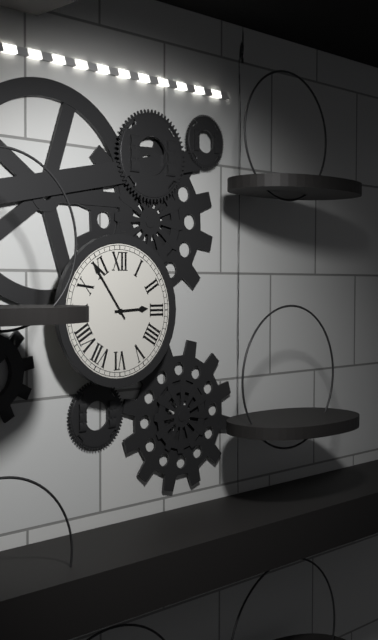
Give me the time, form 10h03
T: 2h54
